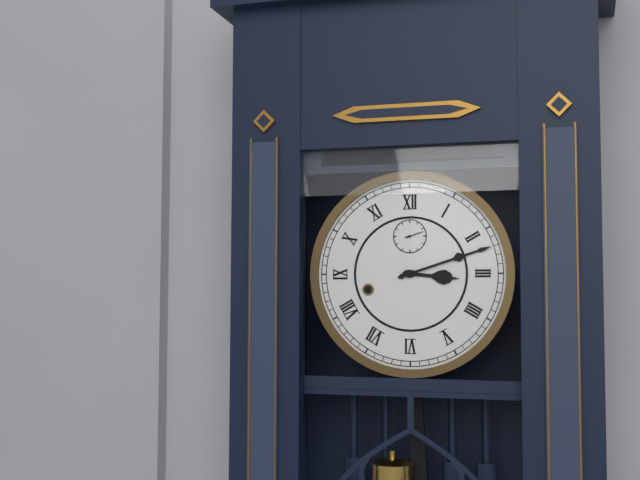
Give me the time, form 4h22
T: 3h12
